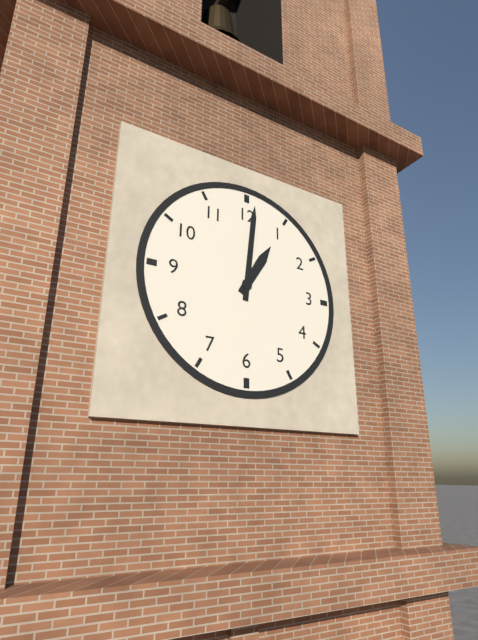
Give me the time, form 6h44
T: 1h01
